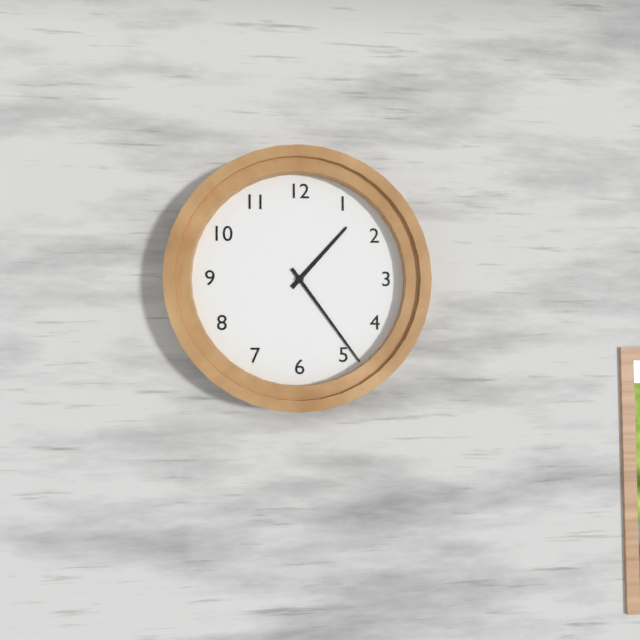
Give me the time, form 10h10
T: 1h24
